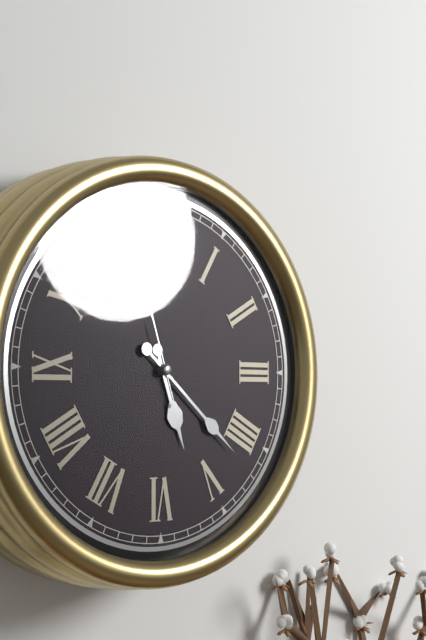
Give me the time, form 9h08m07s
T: 5h22m57s
